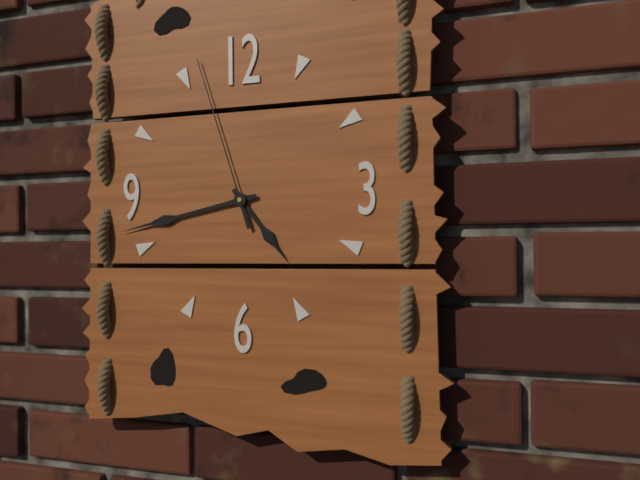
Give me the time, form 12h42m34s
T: 4h43m57s
